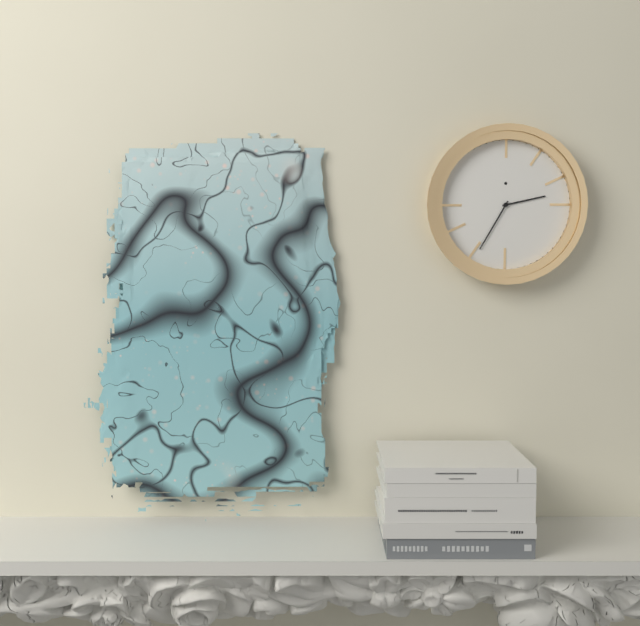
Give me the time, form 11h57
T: 2h35
